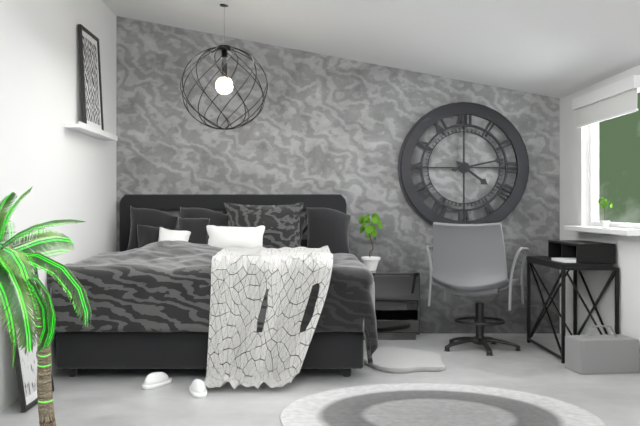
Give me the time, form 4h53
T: 4h13
